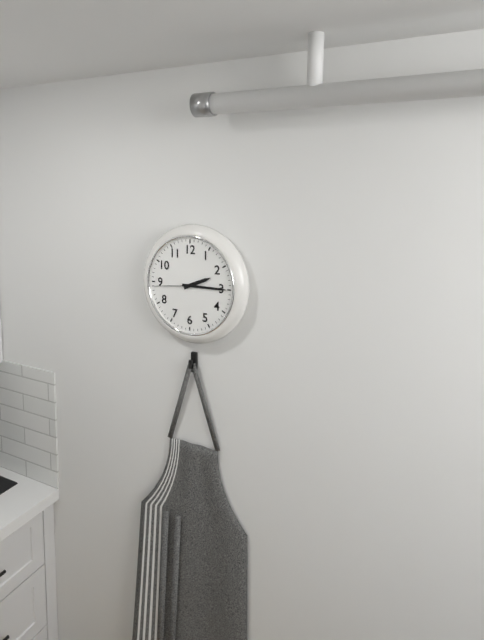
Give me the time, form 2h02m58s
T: 2h15m44s
